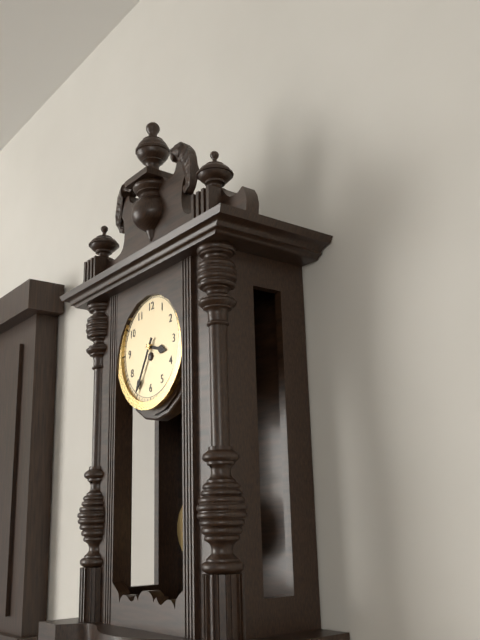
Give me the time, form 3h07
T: 3h35
